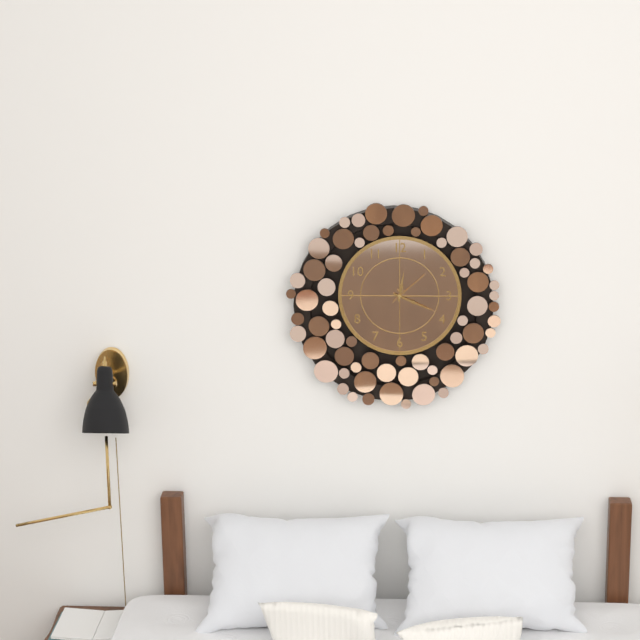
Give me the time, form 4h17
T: 12h19
